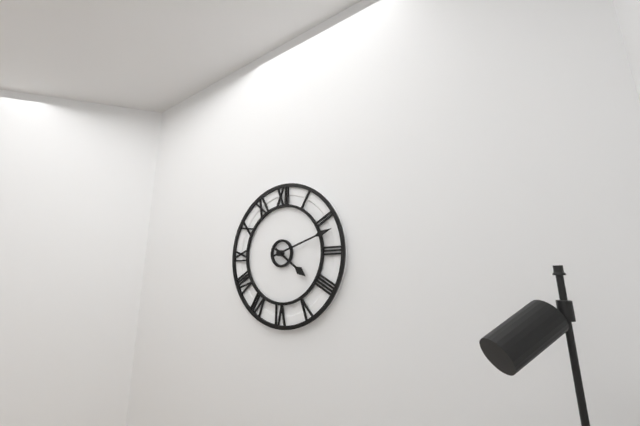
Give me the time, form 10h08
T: 4h12
